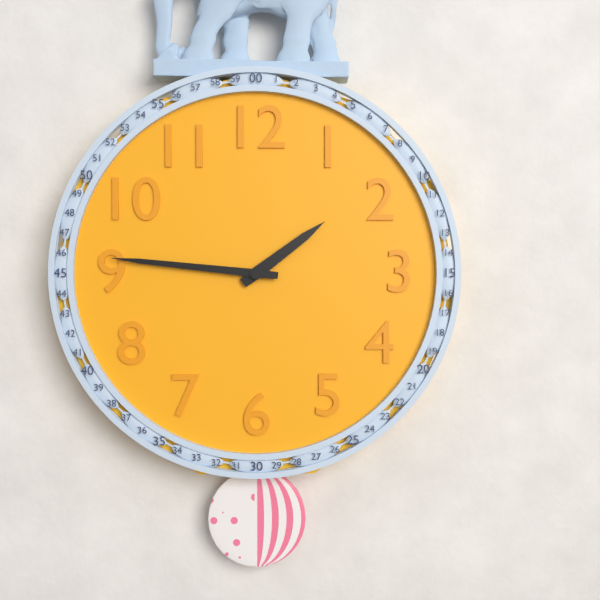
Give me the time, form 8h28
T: 1h46
